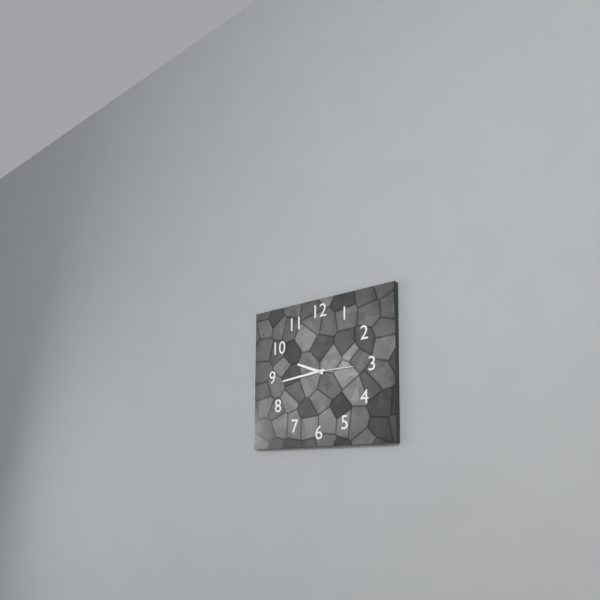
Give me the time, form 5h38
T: 9h44
